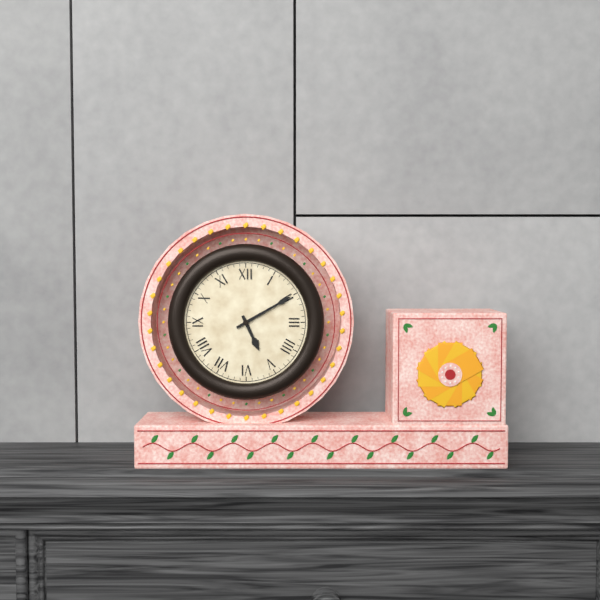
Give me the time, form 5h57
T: 5h10
